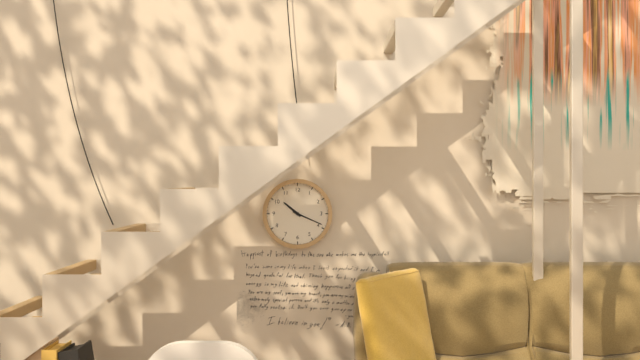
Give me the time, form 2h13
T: 10h19
